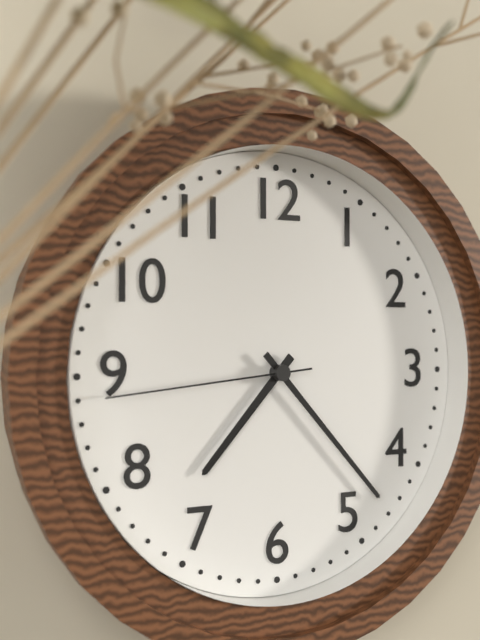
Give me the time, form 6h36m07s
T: 7h23m44s
